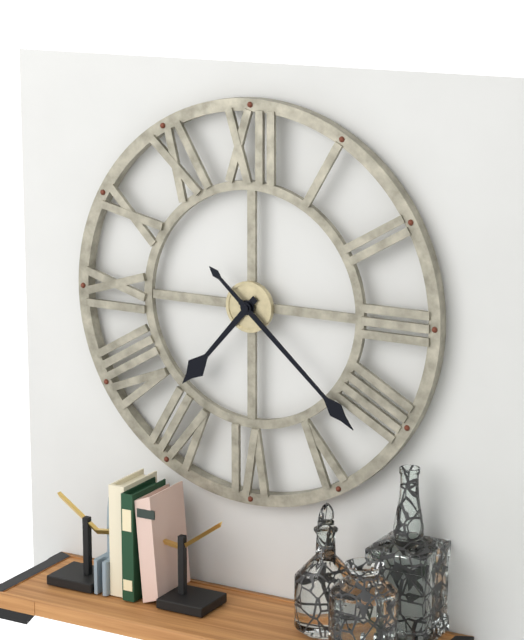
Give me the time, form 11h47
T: 7h22
